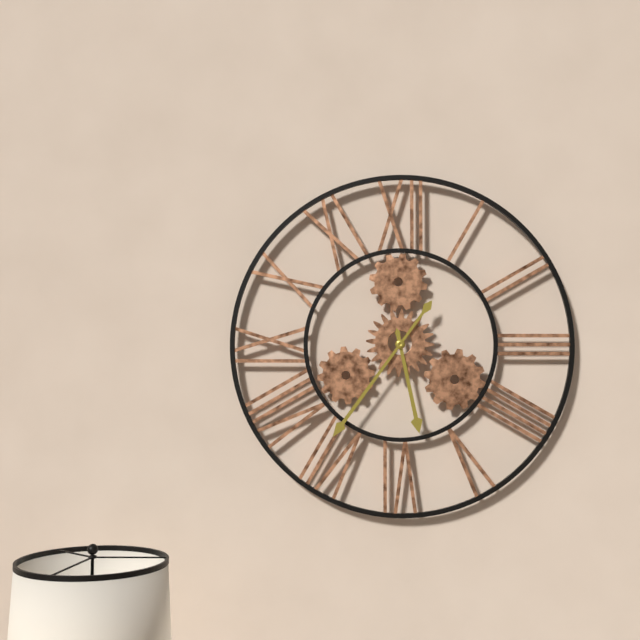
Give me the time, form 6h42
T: 5h36
